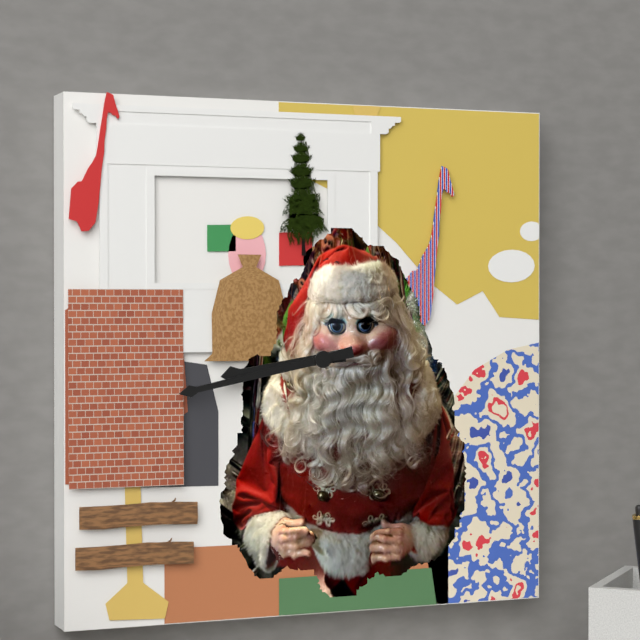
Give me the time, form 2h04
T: 8h43
